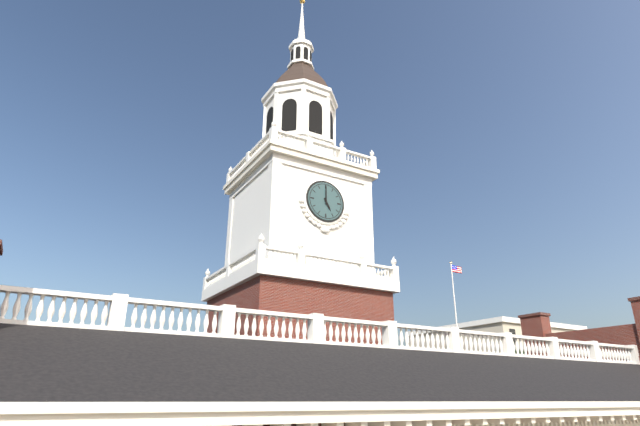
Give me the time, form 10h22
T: 5h00
